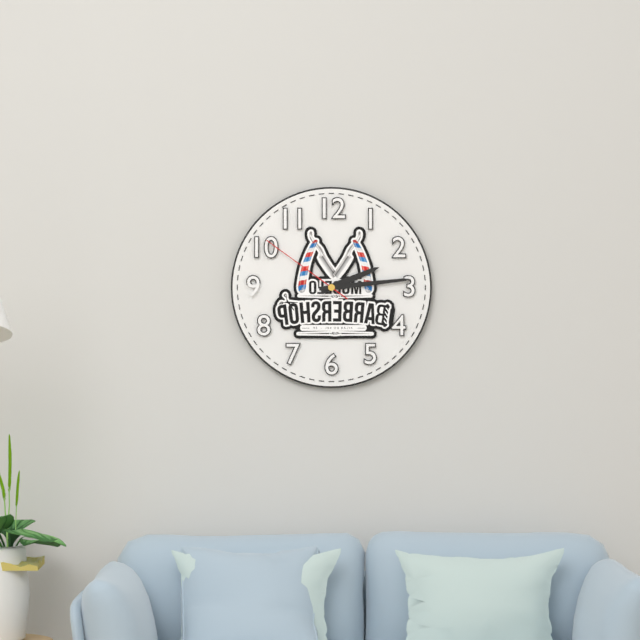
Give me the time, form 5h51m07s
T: 2h14m51s
